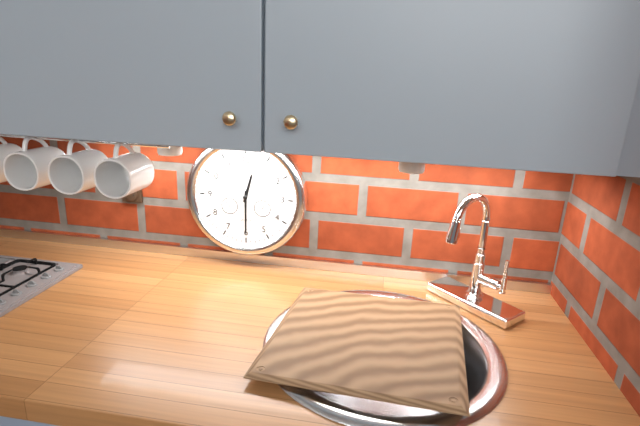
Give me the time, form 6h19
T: 12h30
